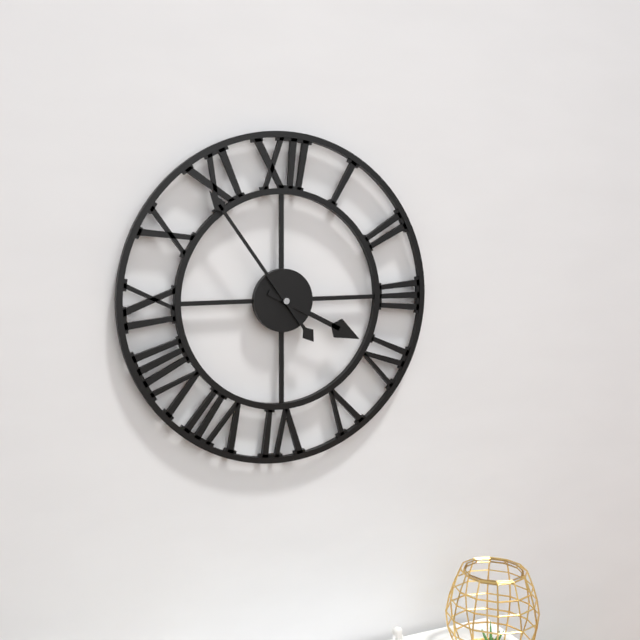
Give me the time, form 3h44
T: 3h54
